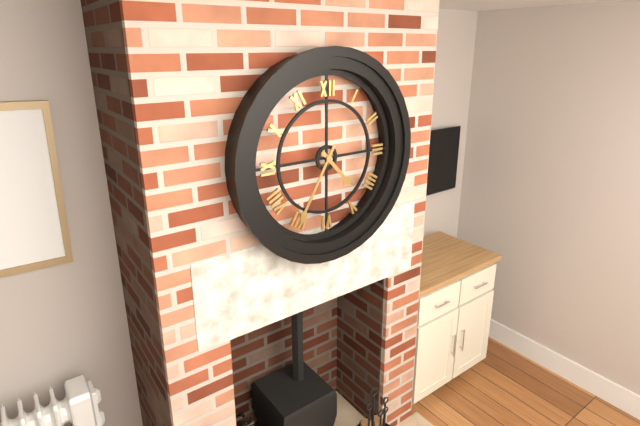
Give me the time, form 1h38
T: 4h35
